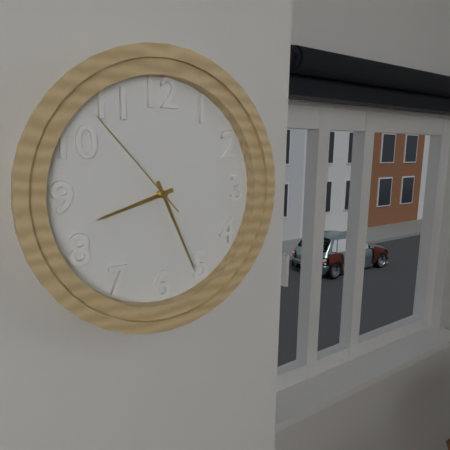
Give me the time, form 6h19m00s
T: 8h26m53s
